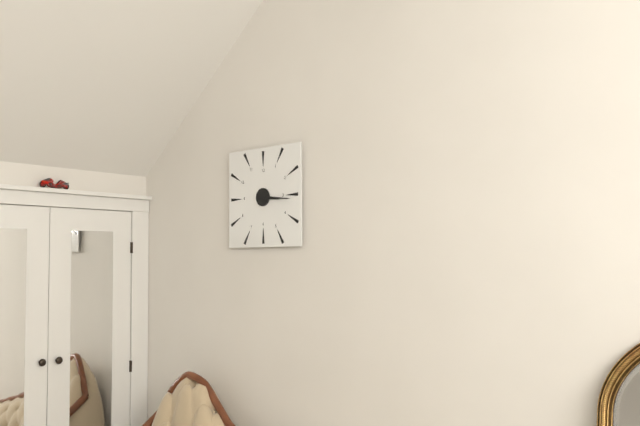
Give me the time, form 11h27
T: 3h16
